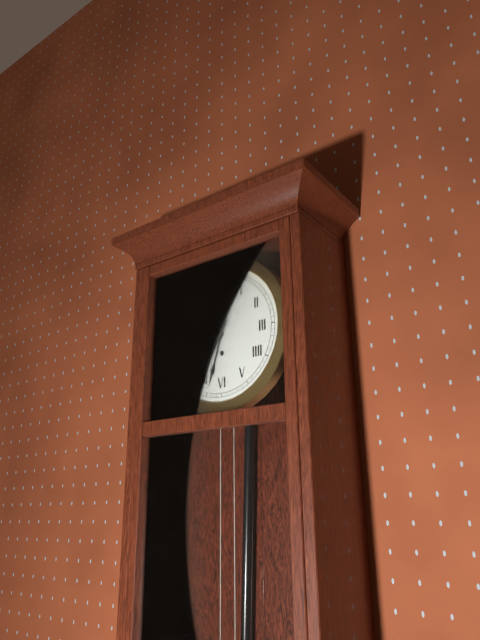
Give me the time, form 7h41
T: 6h35
